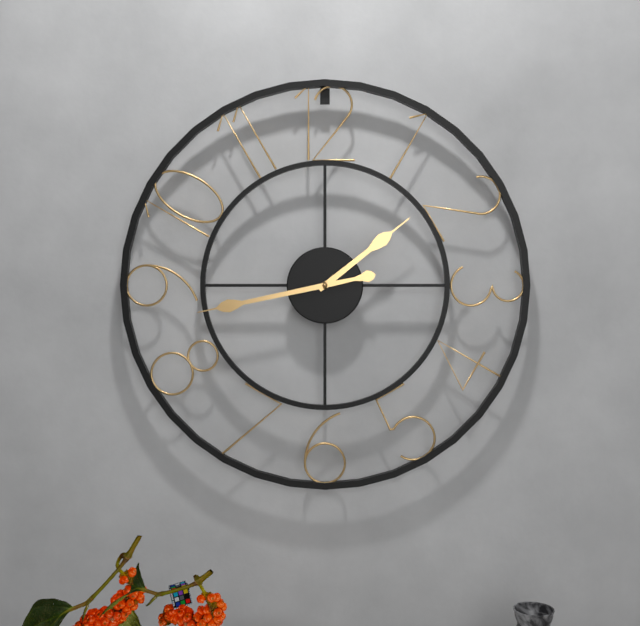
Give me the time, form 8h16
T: 1h43
